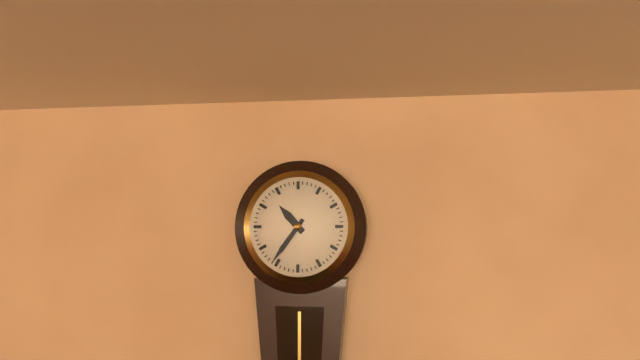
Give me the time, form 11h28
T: 10h36
